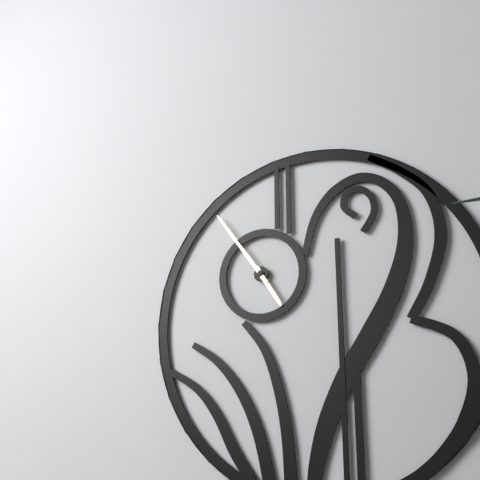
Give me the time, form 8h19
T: 4h54
